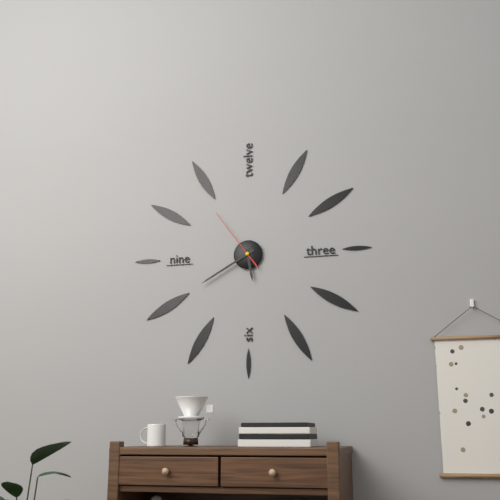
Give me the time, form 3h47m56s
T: 5h40m54s
